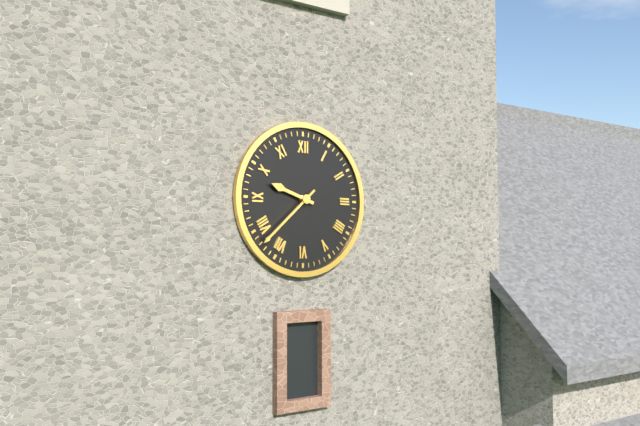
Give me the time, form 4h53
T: 9h38
